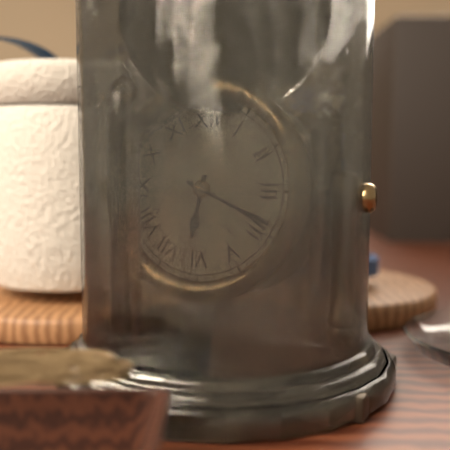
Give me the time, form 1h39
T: 6h19
